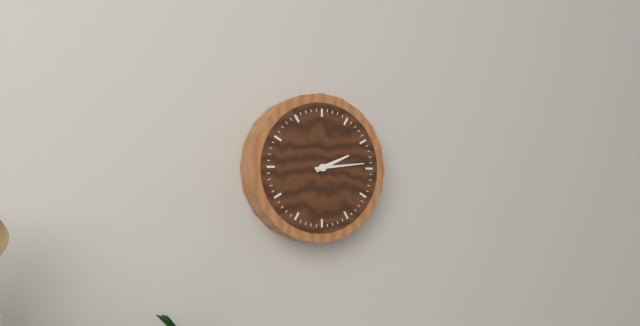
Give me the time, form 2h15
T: 2h14
